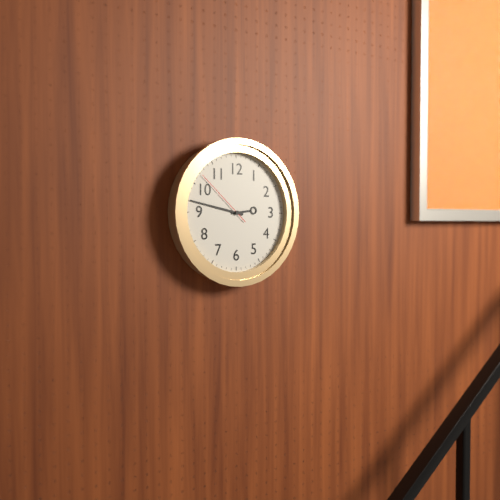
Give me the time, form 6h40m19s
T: 2h47m52s
